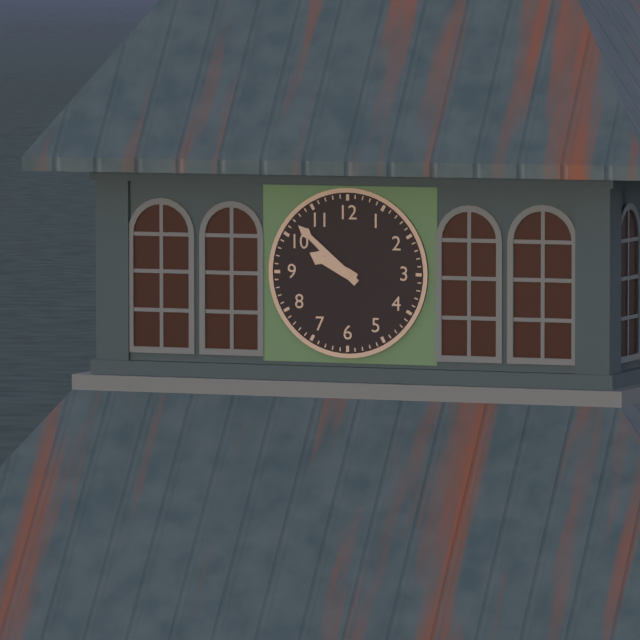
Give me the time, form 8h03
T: 9h52
